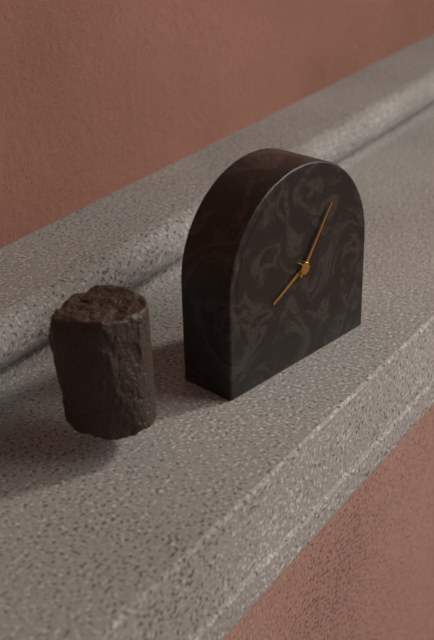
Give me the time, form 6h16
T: 8h06
